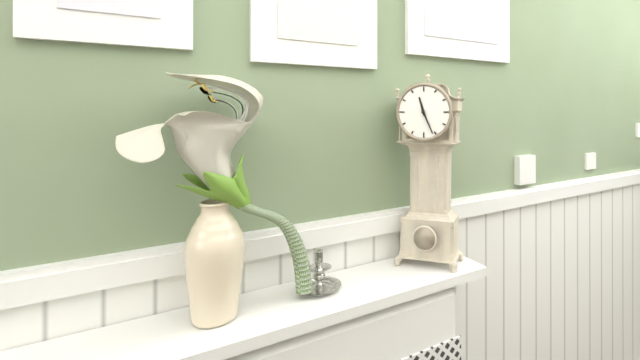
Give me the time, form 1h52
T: 11h26
